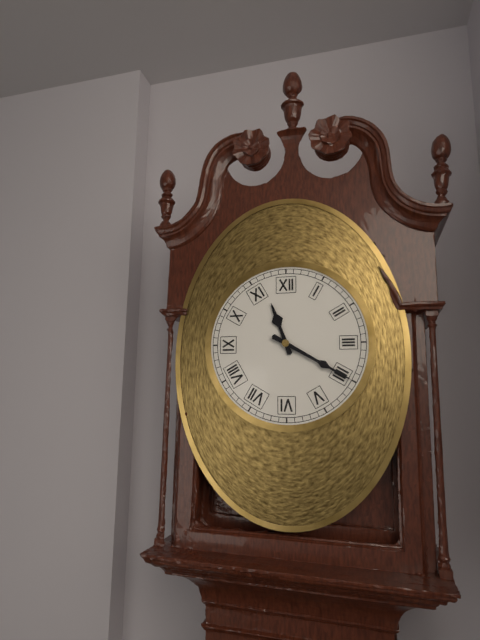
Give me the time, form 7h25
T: 11h20
